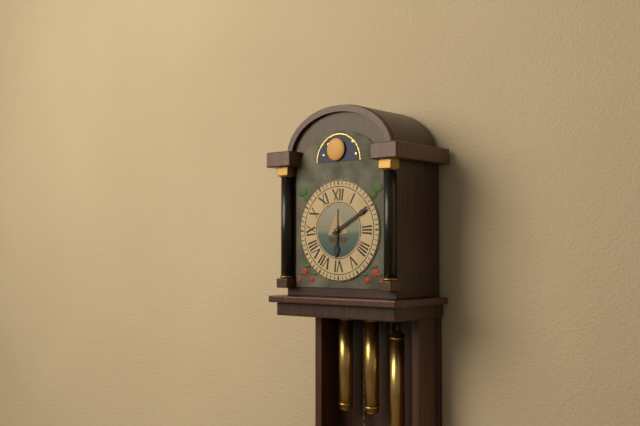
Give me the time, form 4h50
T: 6h10
